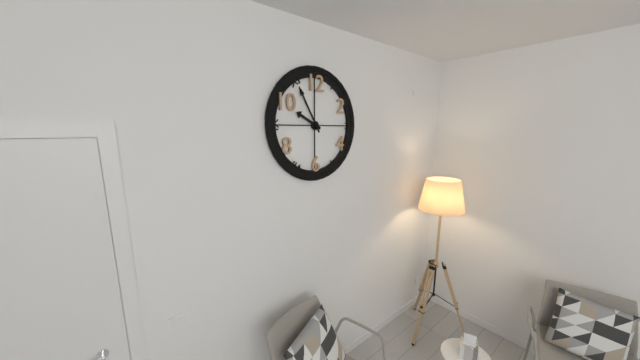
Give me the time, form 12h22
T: 9h55
